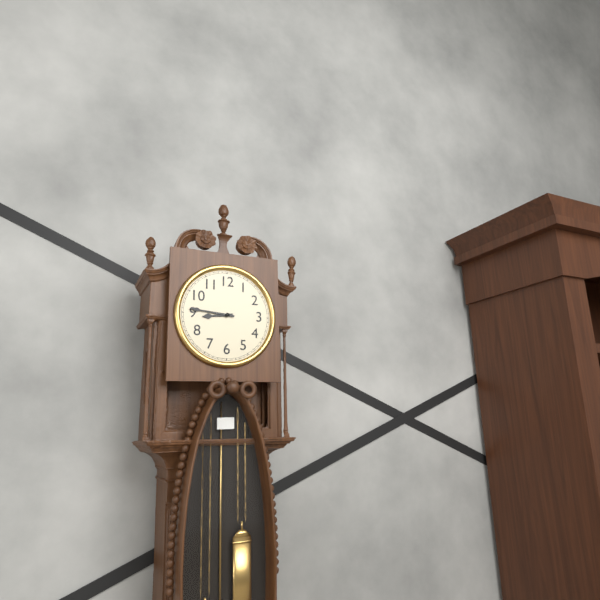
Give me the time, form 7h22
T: 8h46
